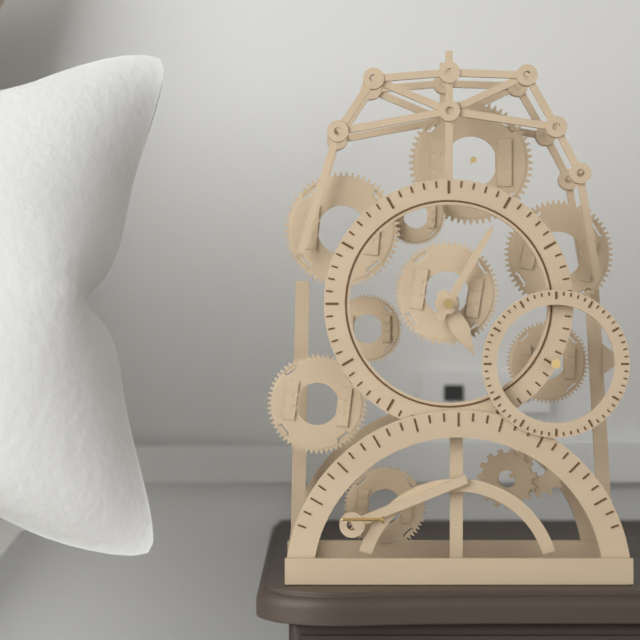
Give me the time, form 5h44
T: 5h05
